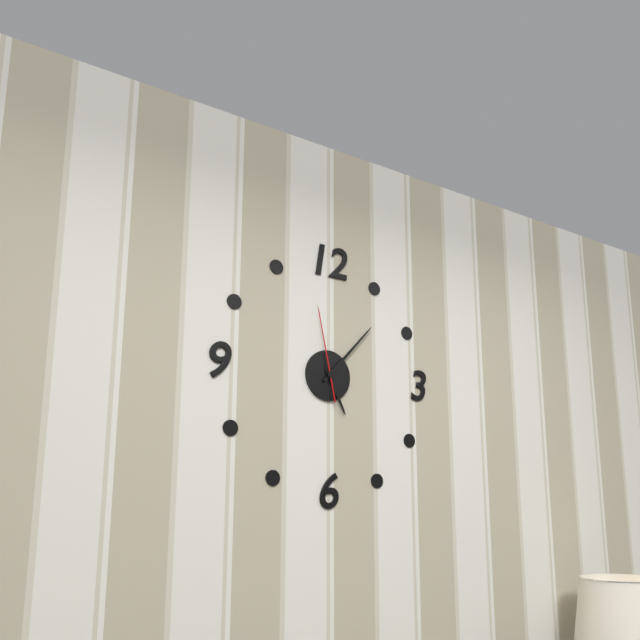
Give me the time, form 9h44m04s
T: 5h07m58s
